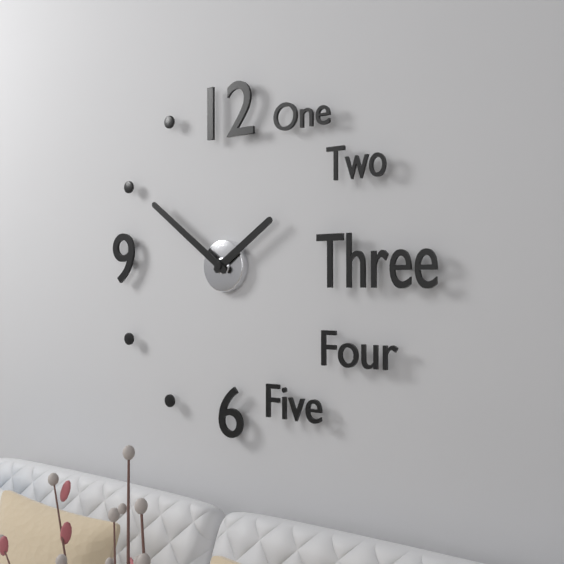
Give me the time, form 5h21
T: 1h51
